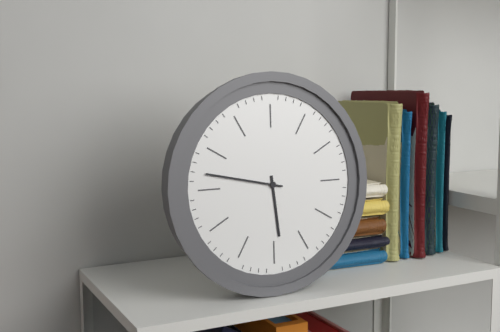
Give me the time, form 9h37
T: 5h47
